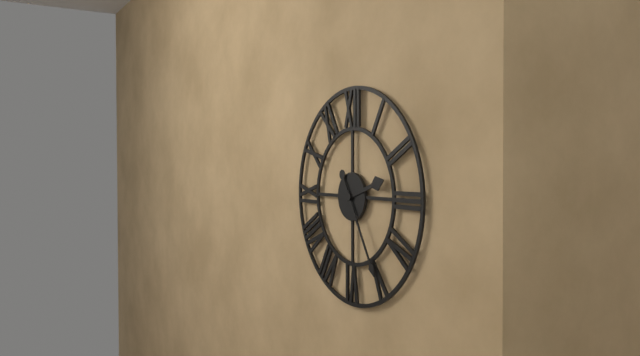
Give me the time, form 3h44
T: 2h25
